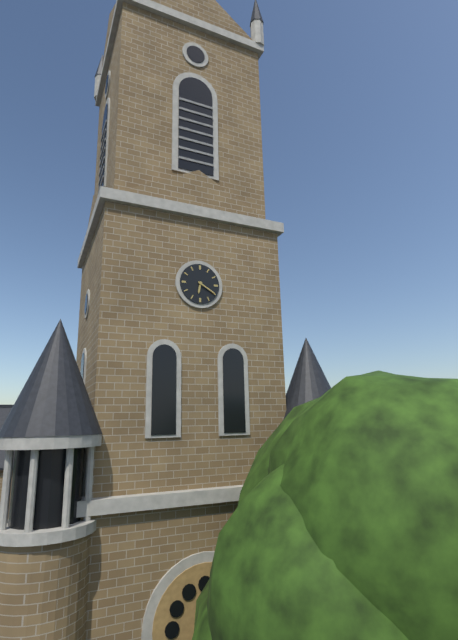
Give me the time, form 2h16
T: 6h20
